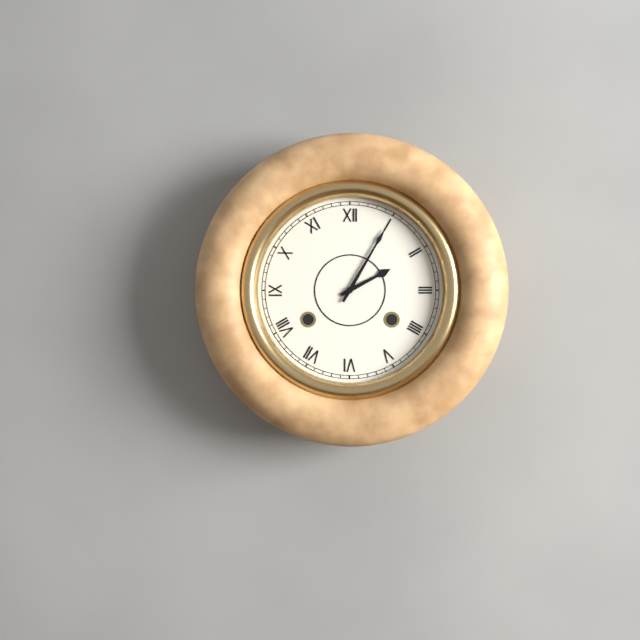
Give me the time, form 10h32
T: 2h05
